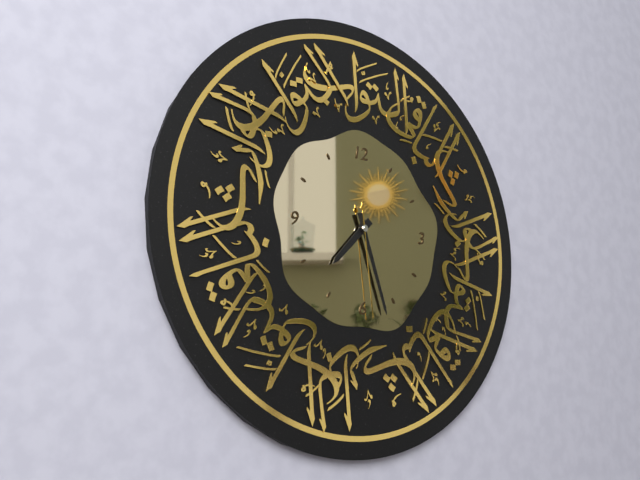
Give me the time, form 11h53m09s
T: 7h27m29s
